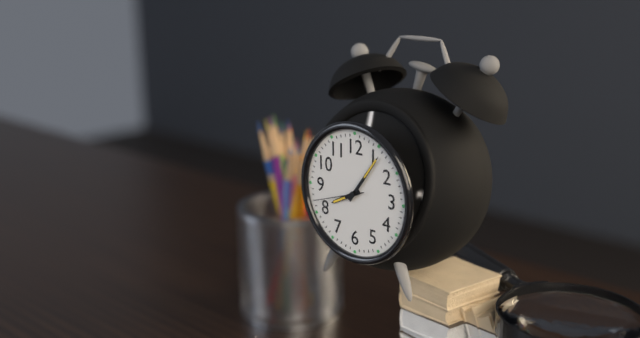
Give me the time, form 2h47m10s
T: 8h06m42s
